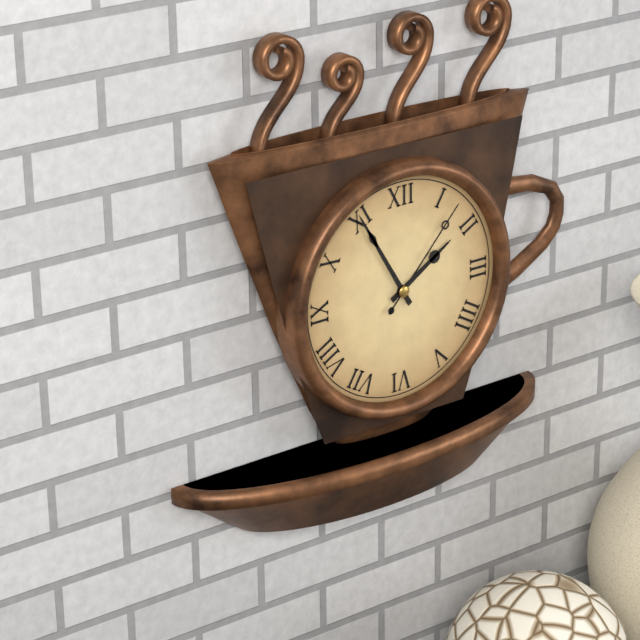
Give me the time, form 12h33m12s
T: 1h55m07s
